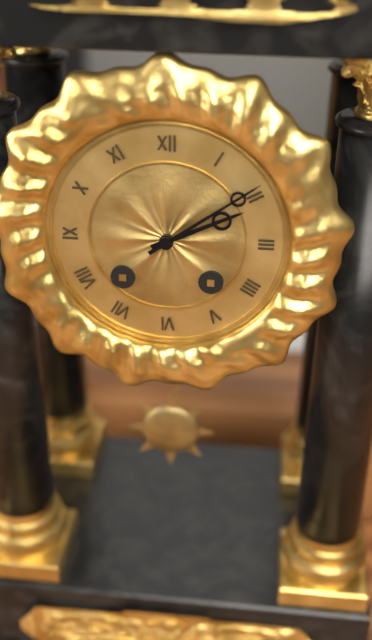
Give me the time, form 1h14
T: 2h09
